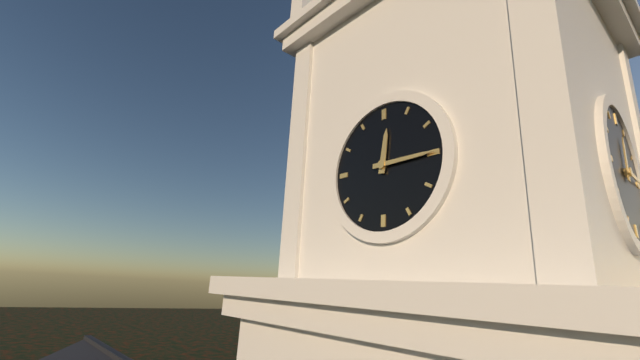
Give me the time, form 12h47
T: 12h15
